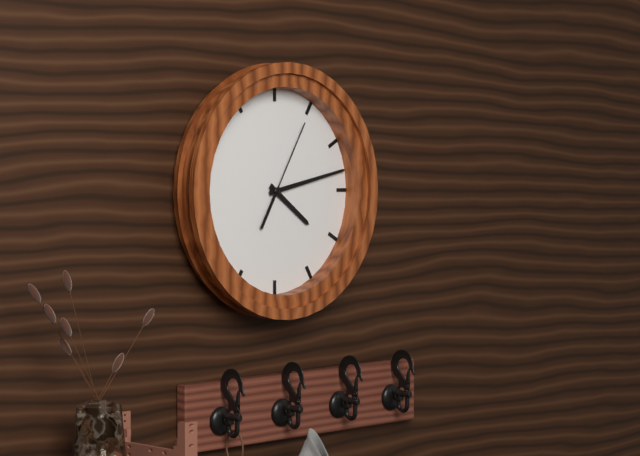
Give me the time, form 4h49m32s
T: 4h13m05s
